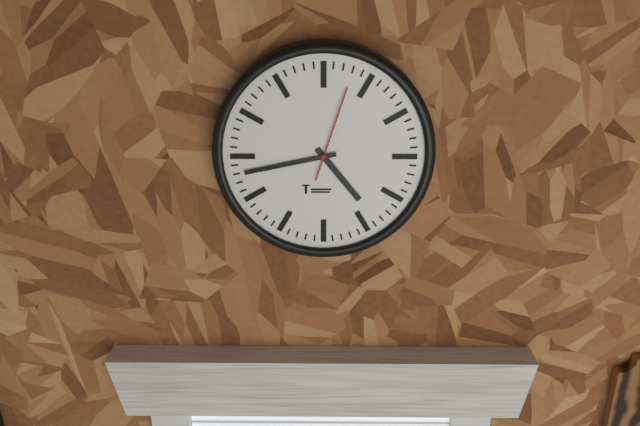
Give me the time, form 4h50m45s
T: 4h43m03s
